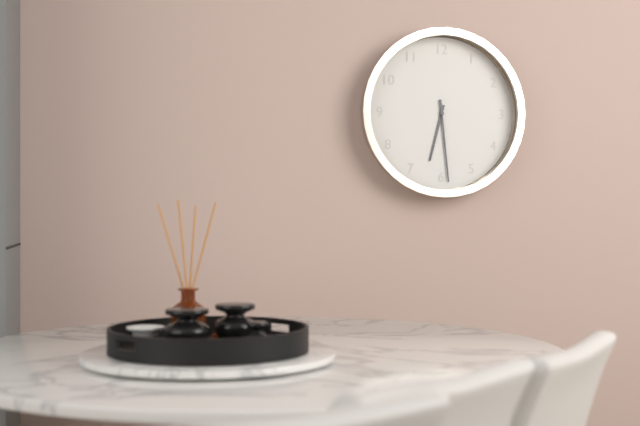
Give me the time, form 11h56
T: 6h29
